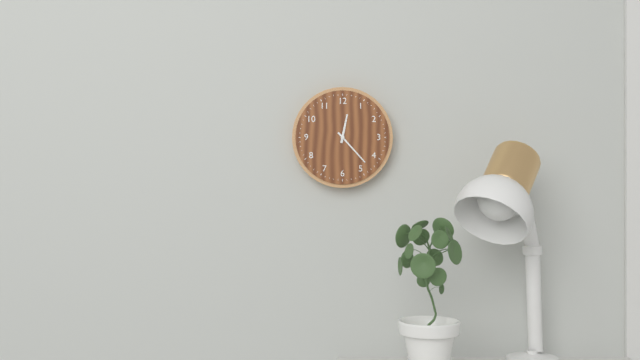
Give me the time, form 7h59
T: 12h23
